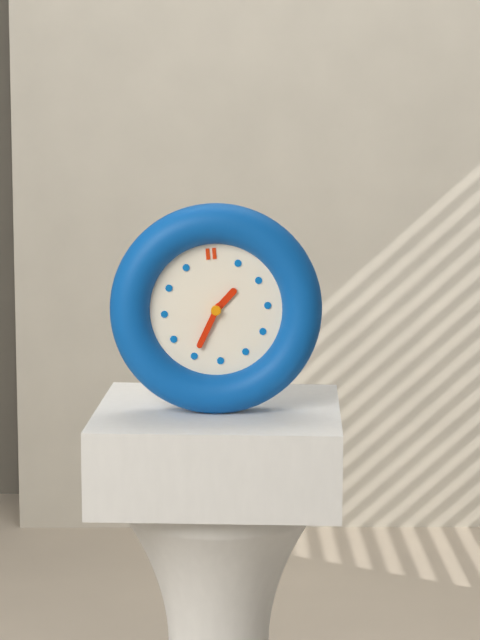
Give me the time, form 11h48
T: 1h35
